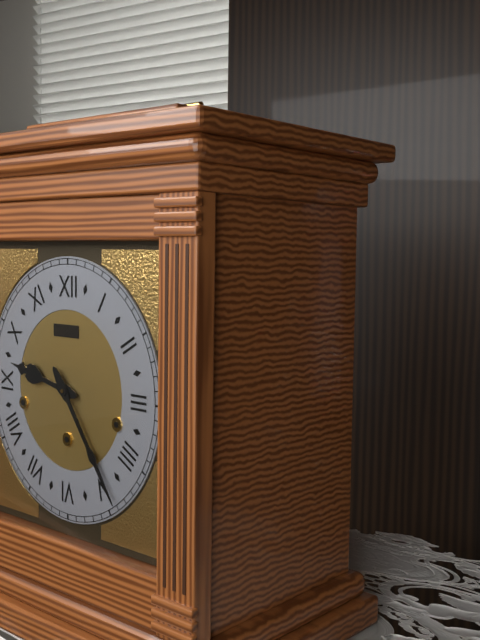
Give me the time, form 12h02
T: 9h24
